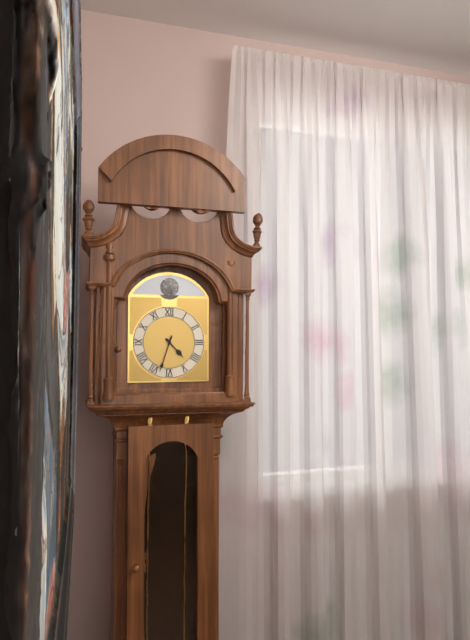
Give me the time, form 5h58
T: 4h33
